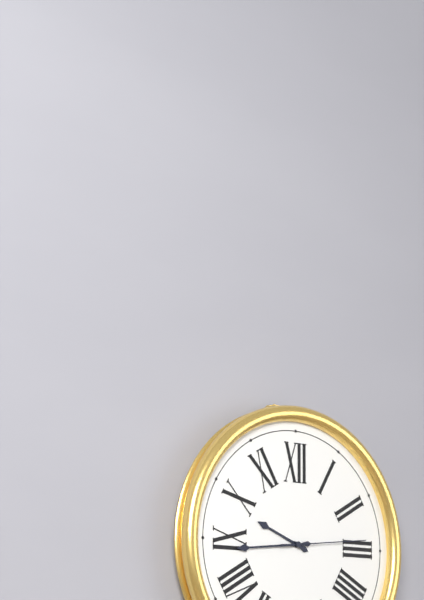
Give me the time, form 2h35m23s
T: 9h44m14s
